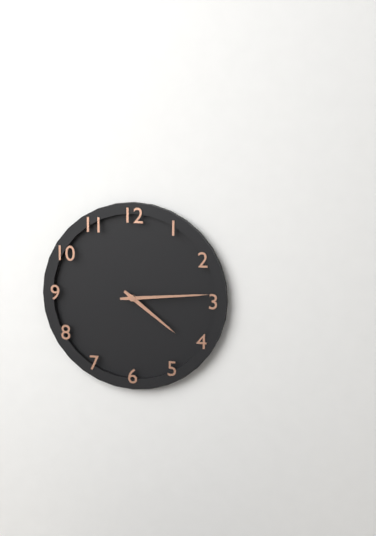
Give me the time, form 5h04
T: 4h14
